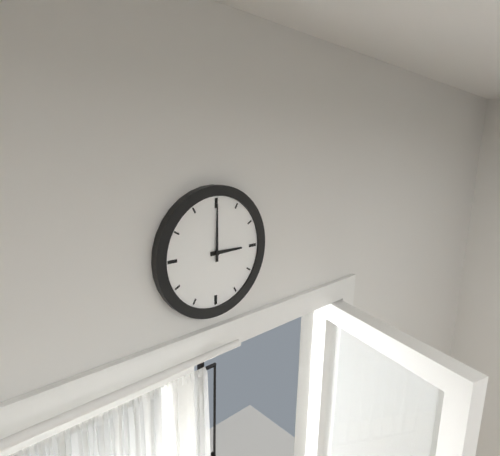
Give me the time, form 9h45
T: 3h00
